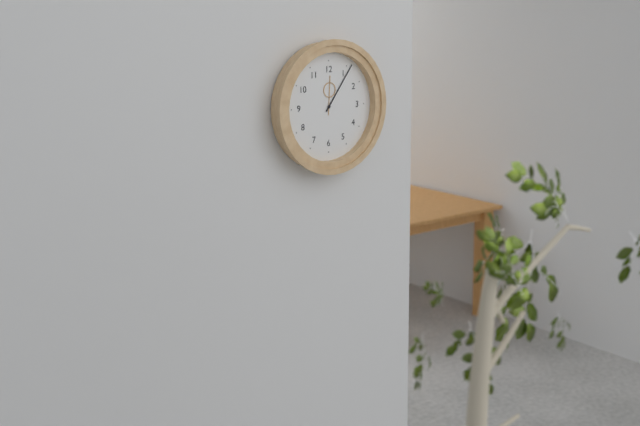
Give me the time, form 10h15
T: 12h06
